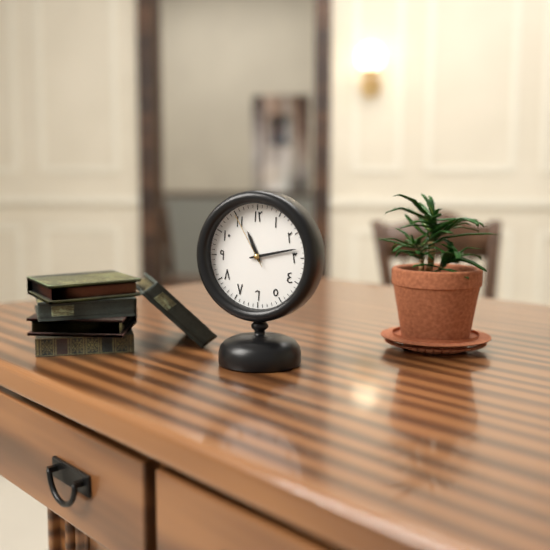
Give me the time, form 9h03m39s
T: 11h13m55s
